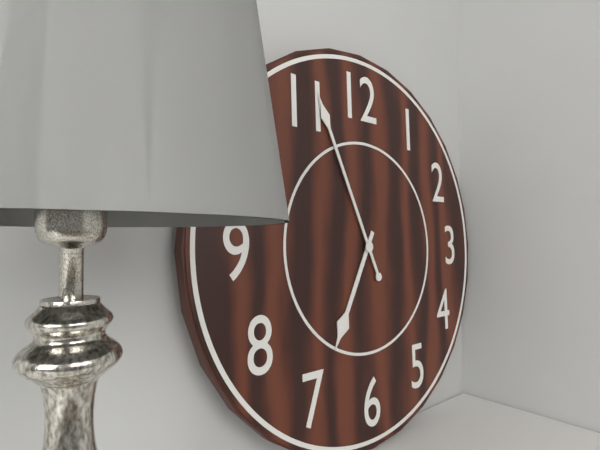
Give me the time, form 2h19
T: 6h56
